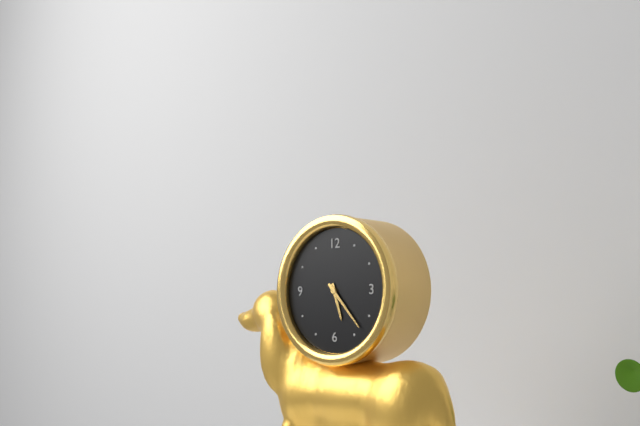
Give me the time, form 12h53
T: 5h23
